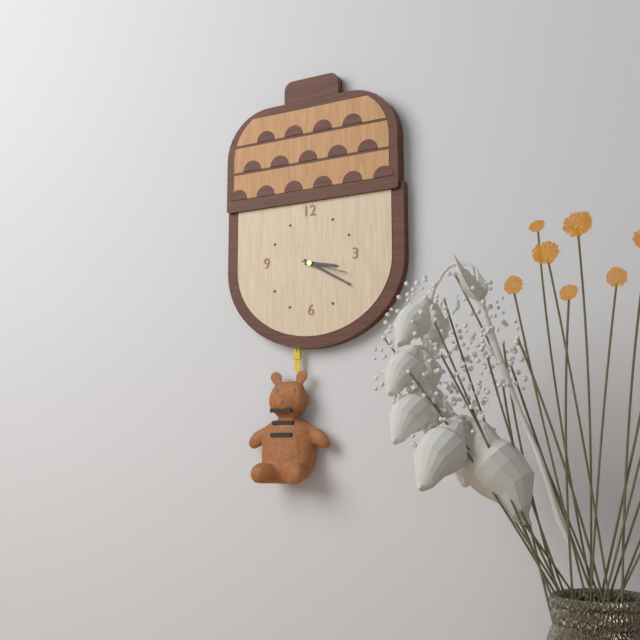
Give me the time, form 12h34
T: 3h20
